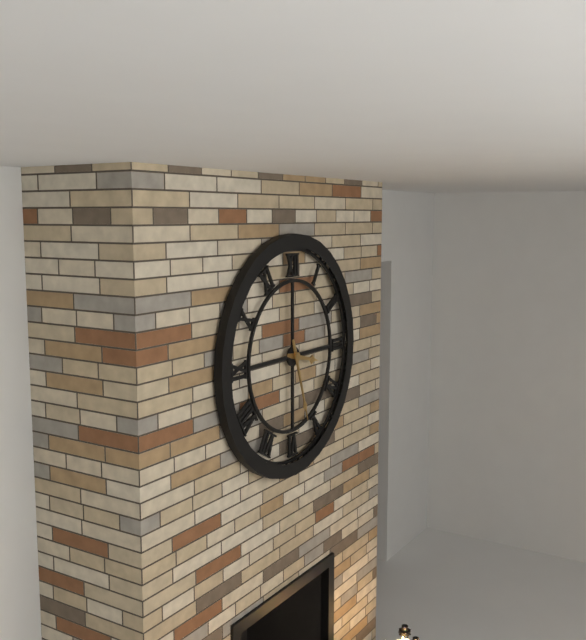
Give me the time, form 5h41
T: 3h27
